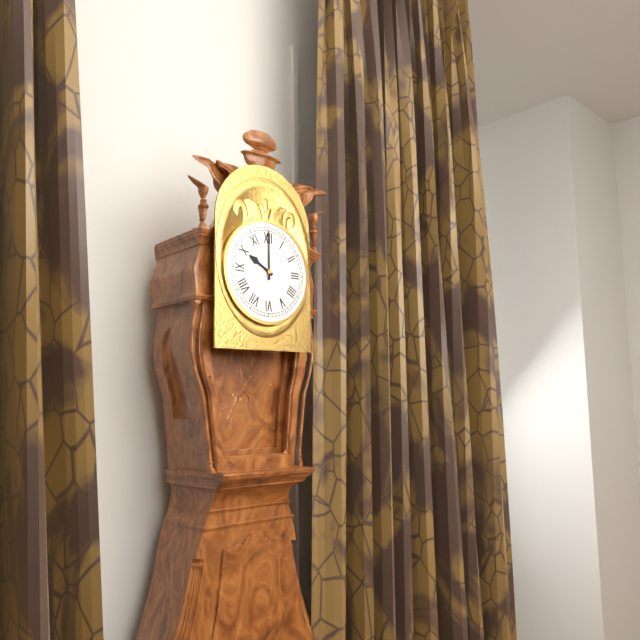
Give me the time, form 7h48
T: 10h00
